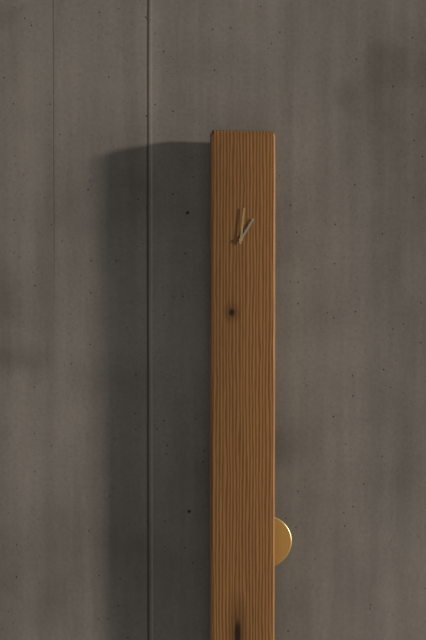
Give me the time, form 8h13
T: 1h01
